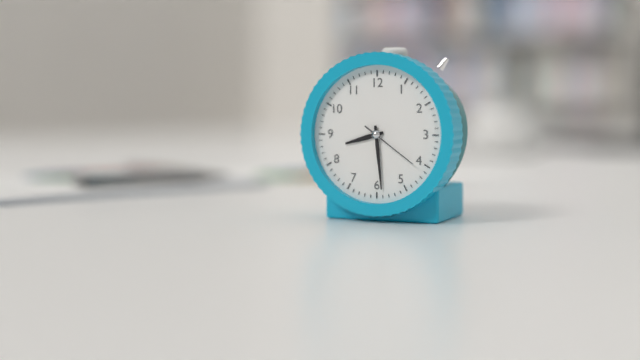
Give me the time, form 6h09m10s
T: 8h29m21s
